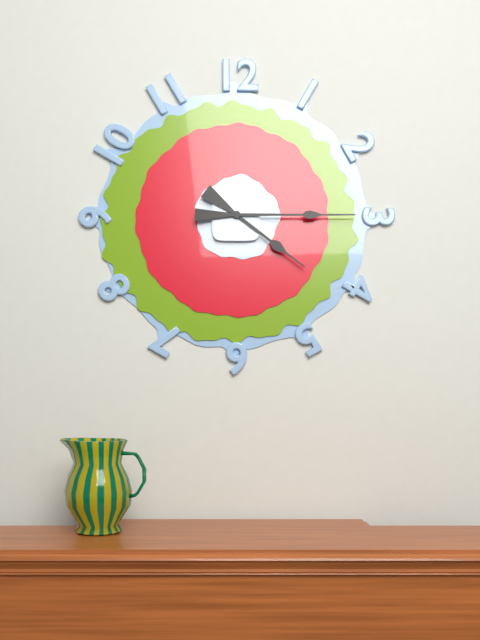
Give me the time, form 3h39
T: 4h15
